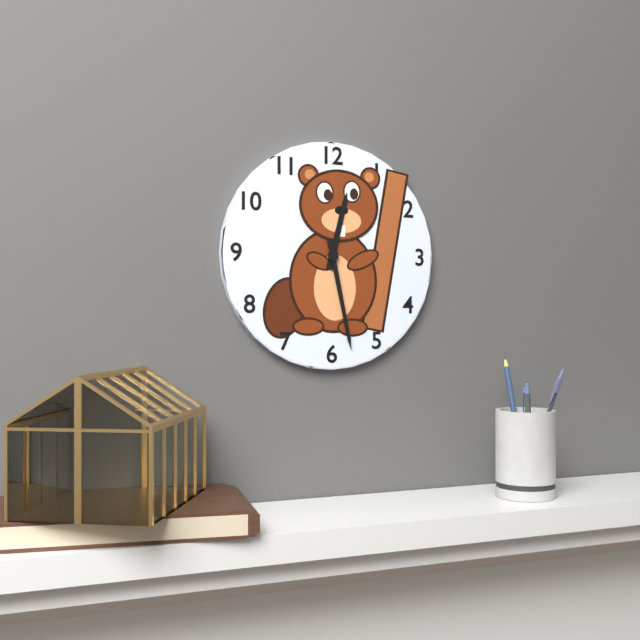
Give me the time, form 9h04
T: 12h28
